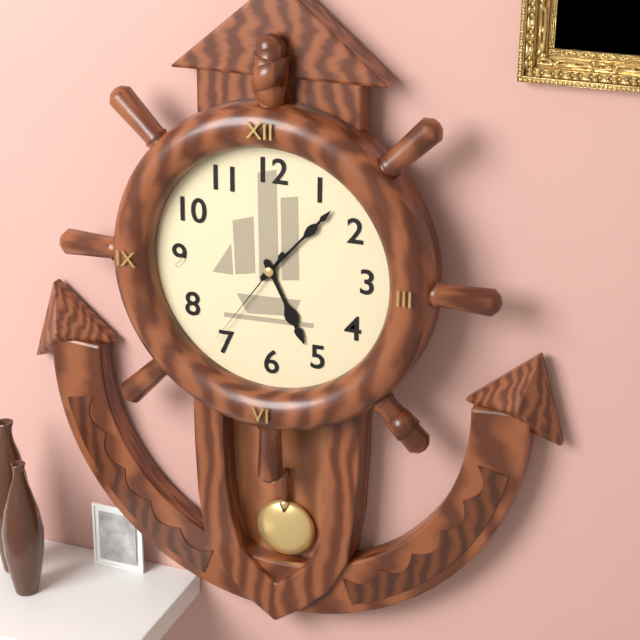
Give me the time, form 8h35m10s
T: 5h07m36s
